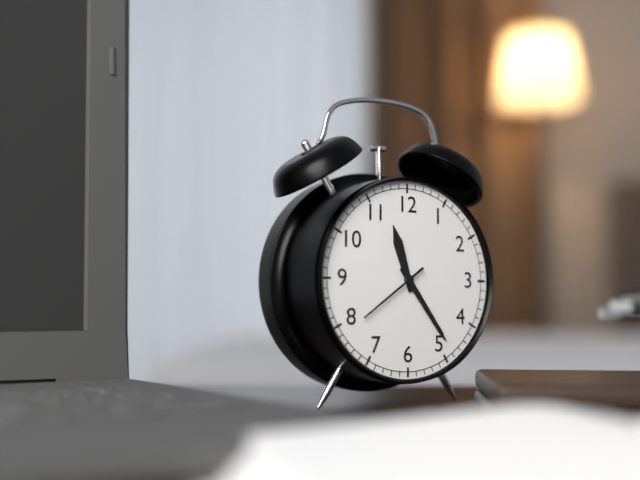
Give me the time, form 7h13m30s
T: 11h24m39s
